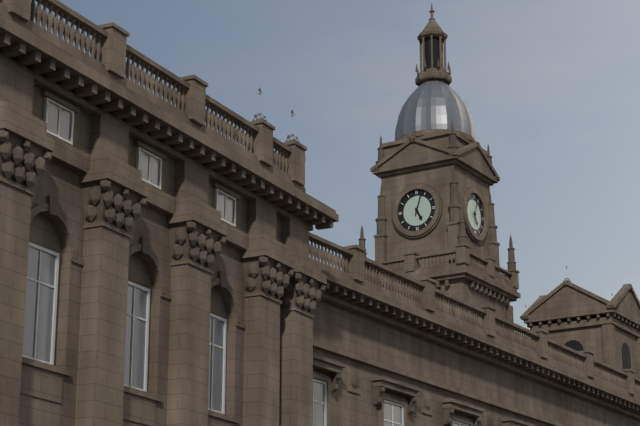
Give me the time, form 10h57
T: 5h03
